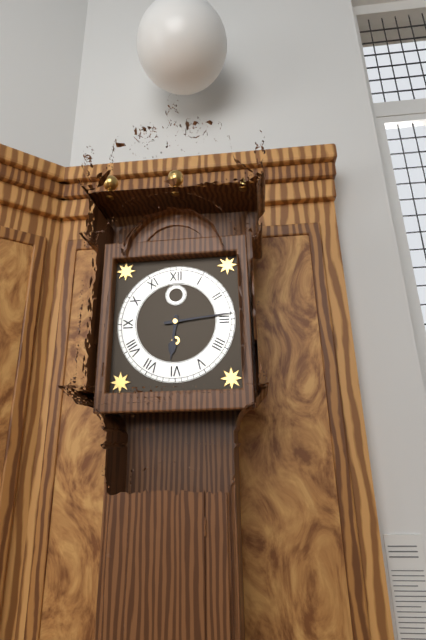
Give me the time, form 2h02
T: 6h14
